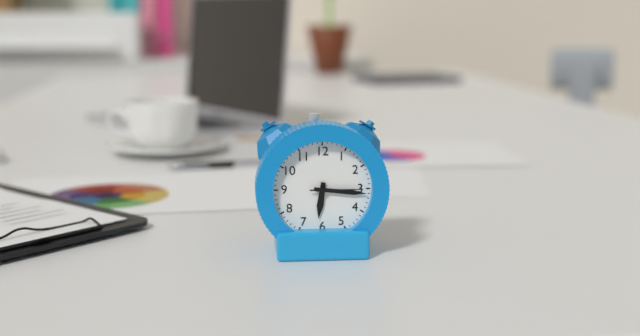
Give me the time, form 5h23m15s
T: 6h16m15s
